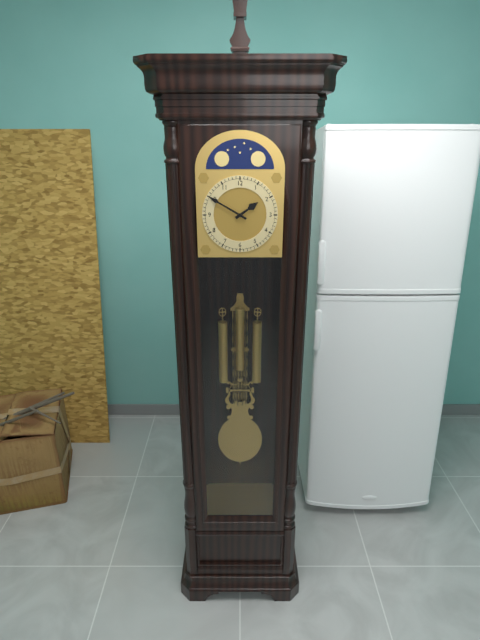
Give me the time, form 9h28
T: 1h50
